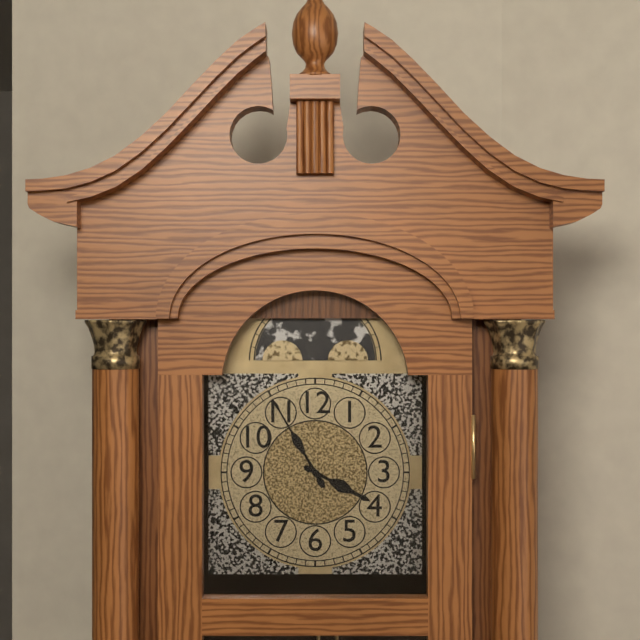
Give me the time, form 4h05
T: 3h55
